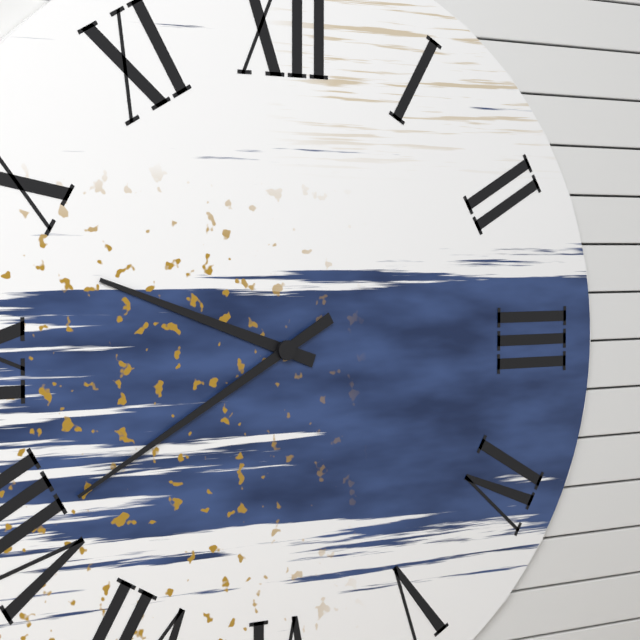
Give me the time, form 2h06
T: 9h40
